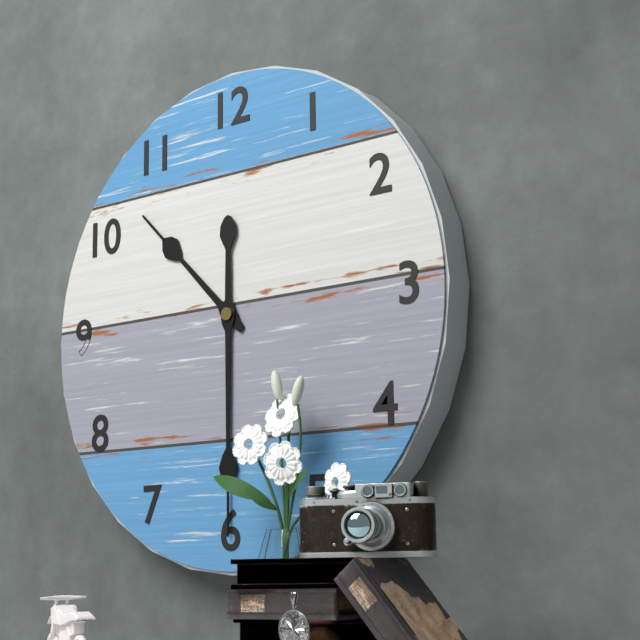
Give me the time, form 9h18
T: 10h30
